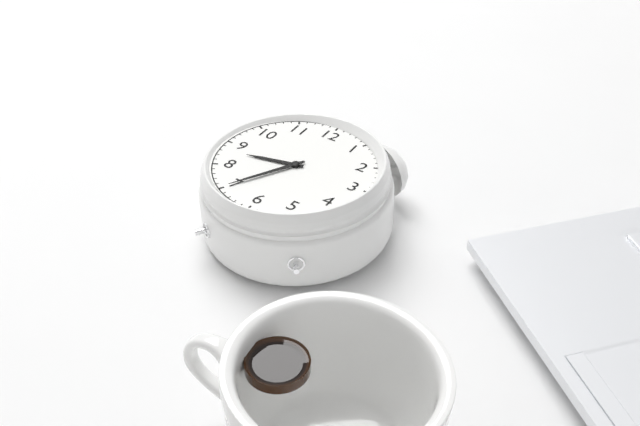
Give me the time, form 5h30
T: 8h35
